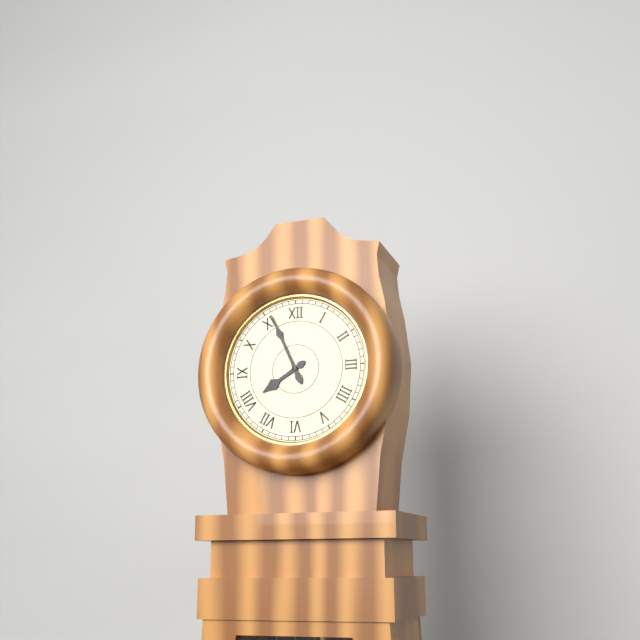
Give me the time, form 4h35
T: 7h56
